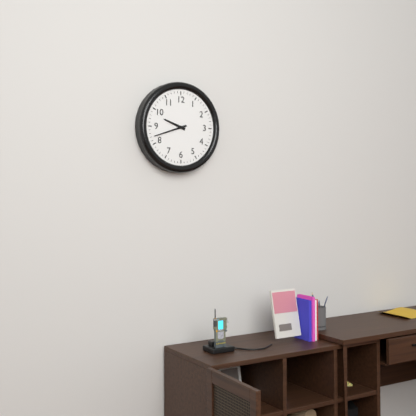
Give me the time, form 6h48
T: 9h42
